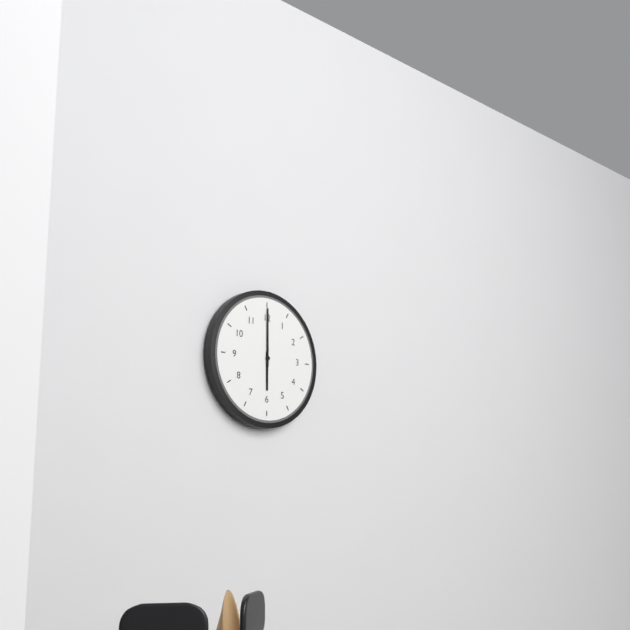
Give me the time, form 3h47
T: 6h00
